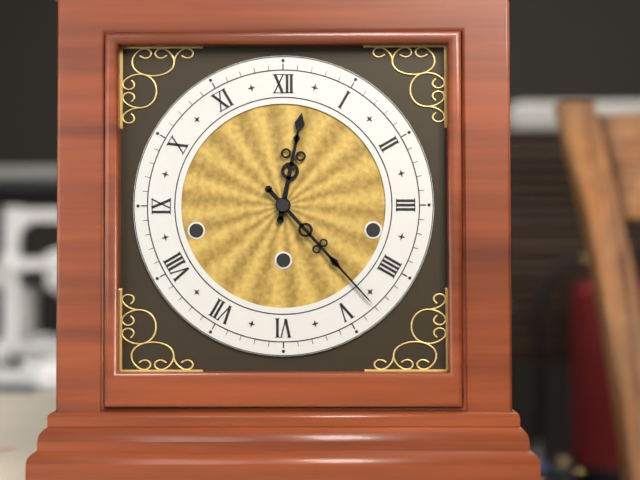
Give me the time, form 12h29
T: 12h23
